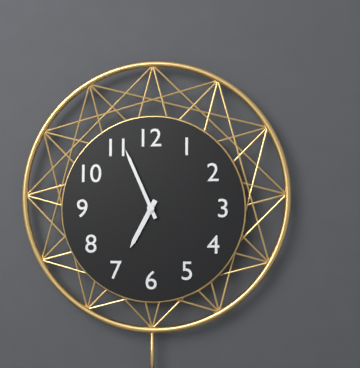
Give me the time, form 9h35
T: 6h56
